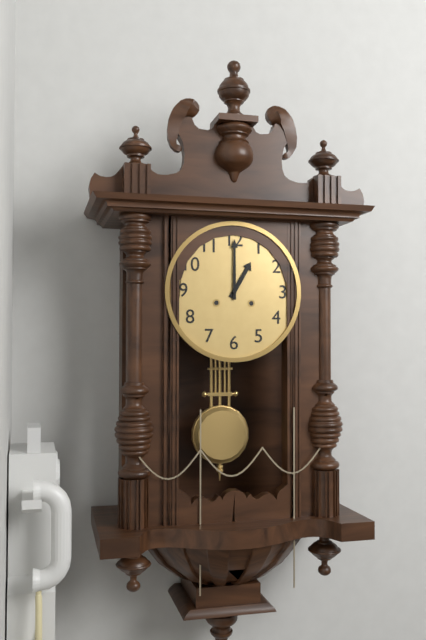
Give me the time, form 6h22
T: 1h00
